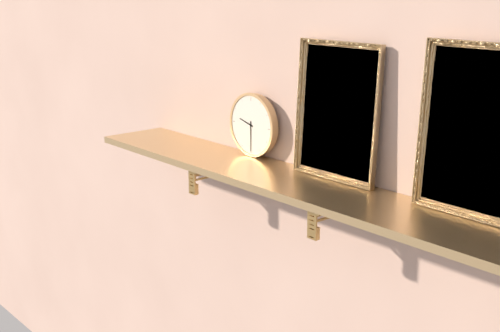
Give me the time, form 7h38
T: 9h30
